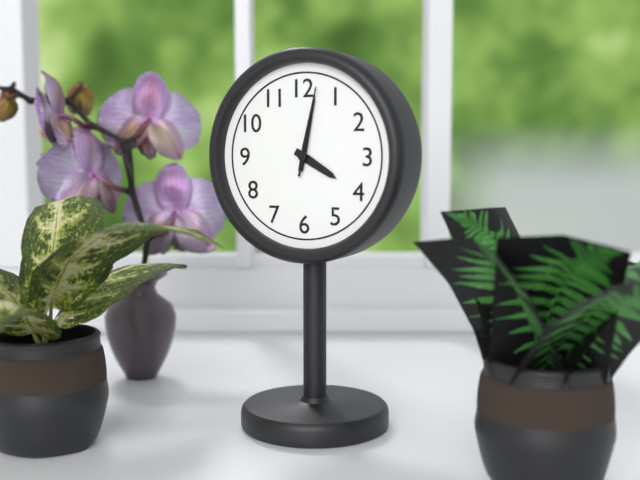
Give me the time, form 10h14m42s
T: 4h02m02s
